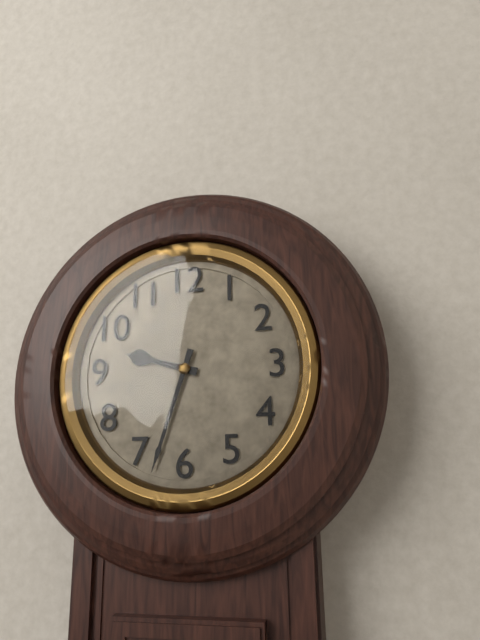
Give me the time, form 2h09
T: 9h33
